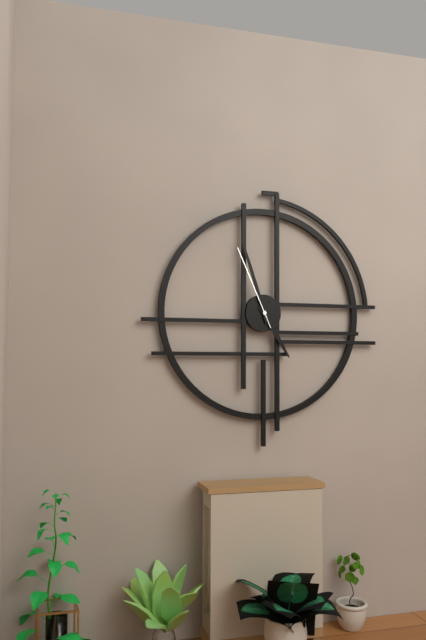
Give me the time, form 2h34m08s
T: 4h57m56s
